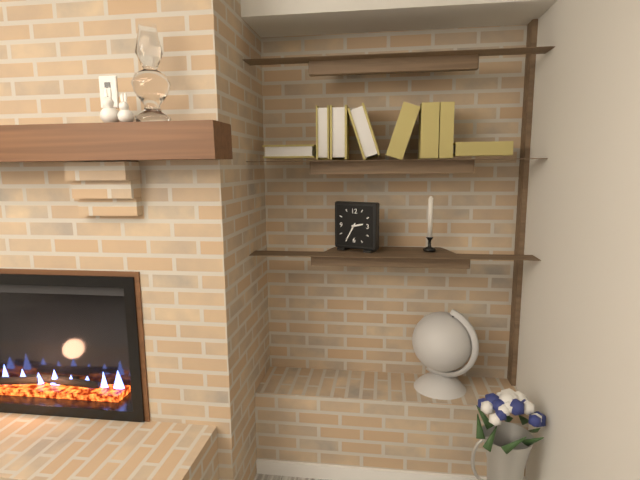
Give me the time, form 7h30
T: 2h35
